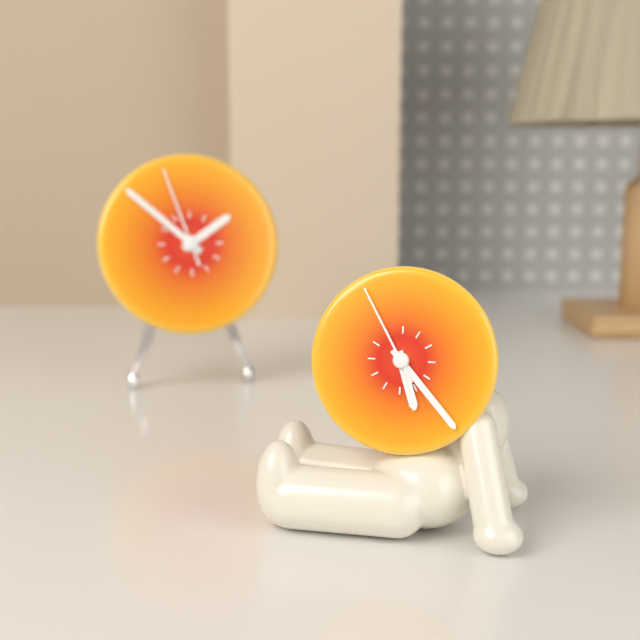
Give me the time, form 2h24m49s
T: 5h23m55s
